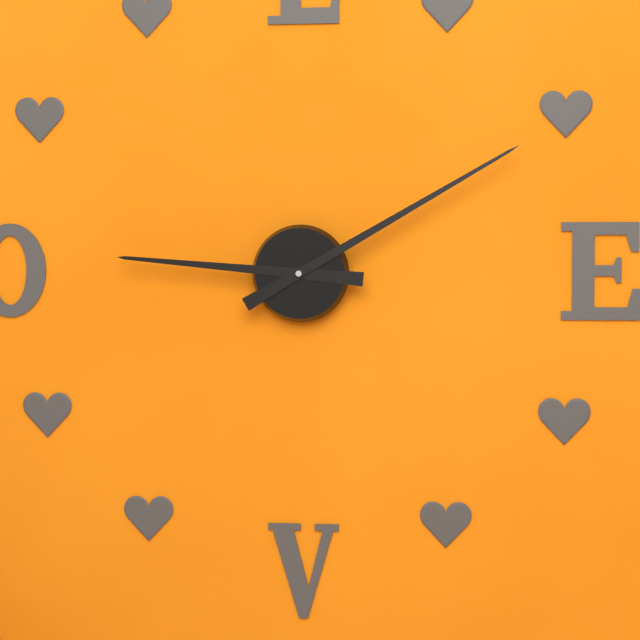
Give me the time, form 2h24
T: 9h10
